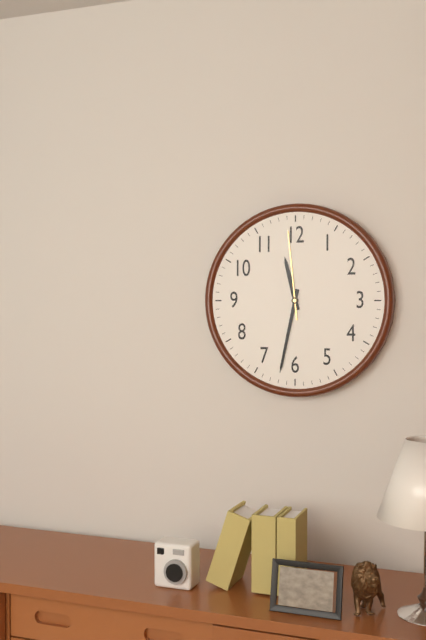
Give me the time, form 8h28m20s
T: 11h32m59s
